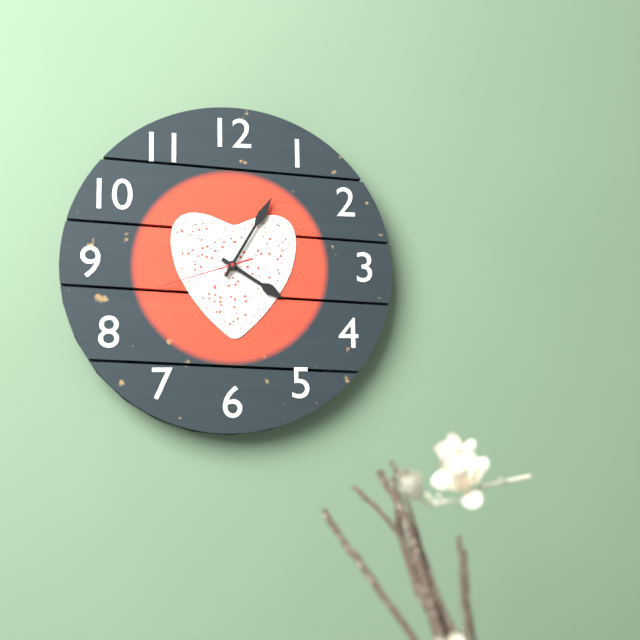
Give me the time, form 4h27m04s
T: 4h05m42s
